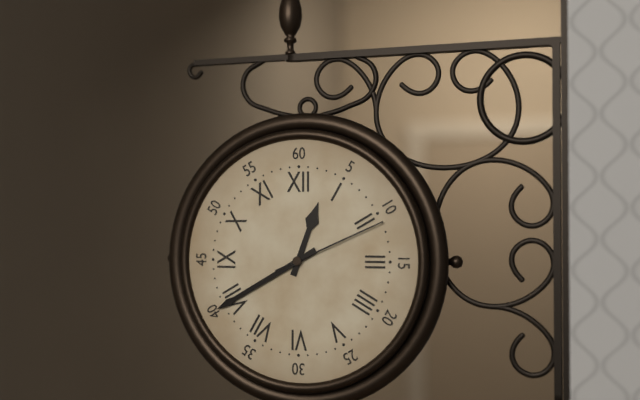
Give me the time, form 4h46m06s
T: 12h40m11s
